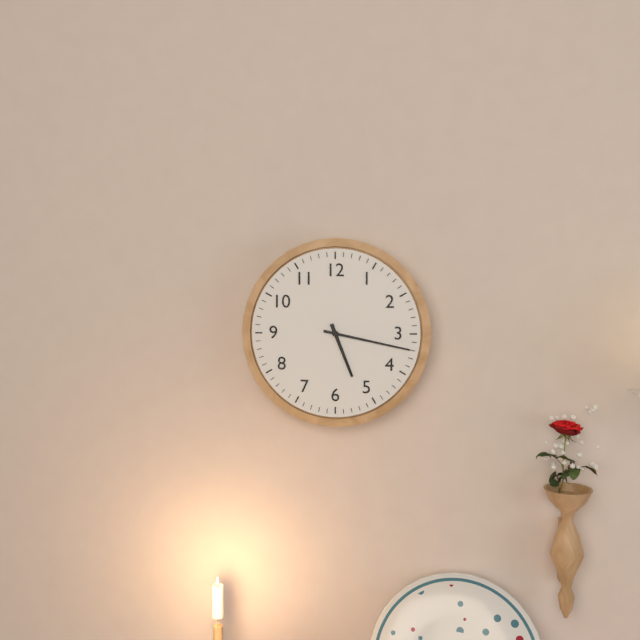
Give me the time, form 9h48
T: 5h17
